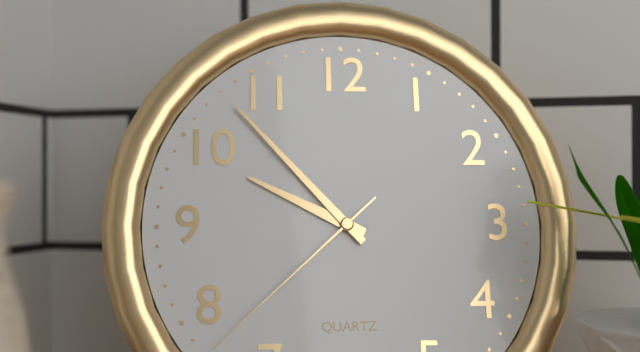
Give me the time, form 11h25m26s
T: 9h53m38s
